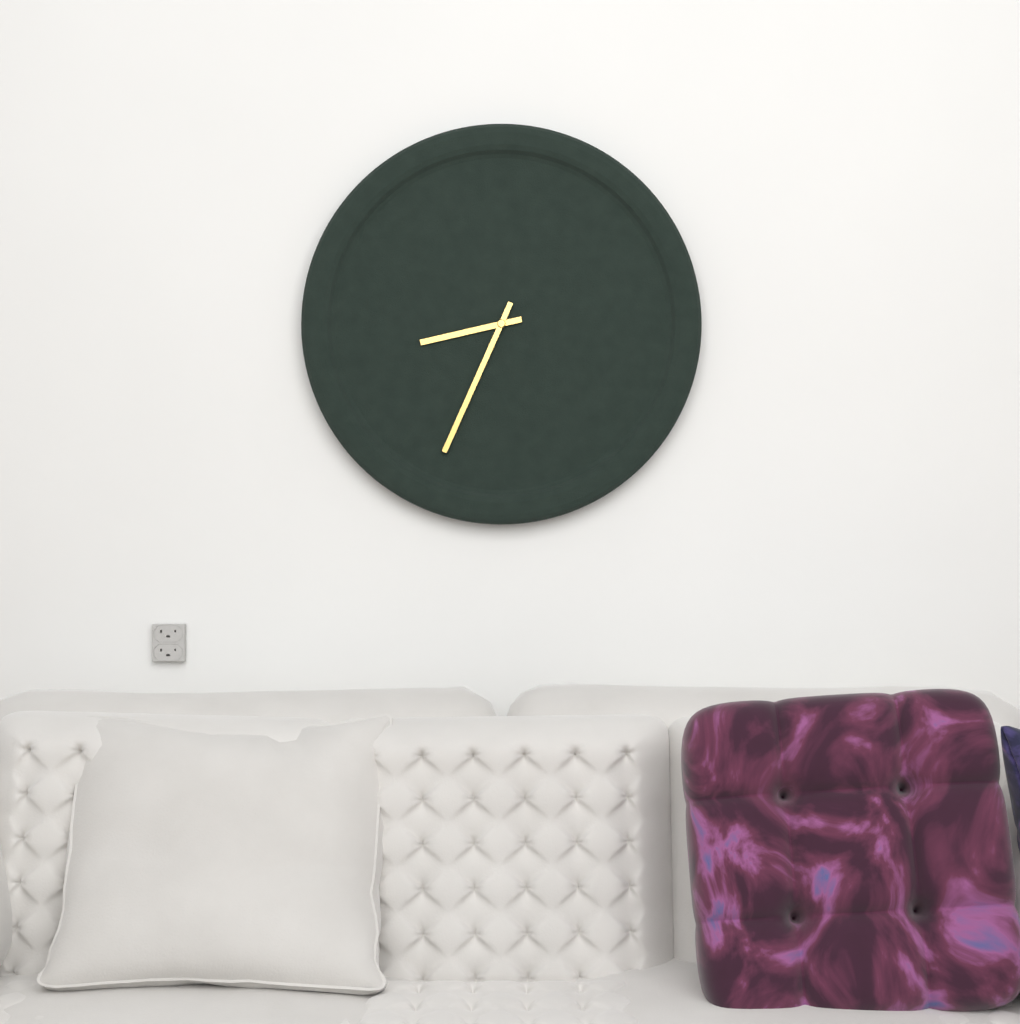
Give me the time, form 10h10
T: 8h34
